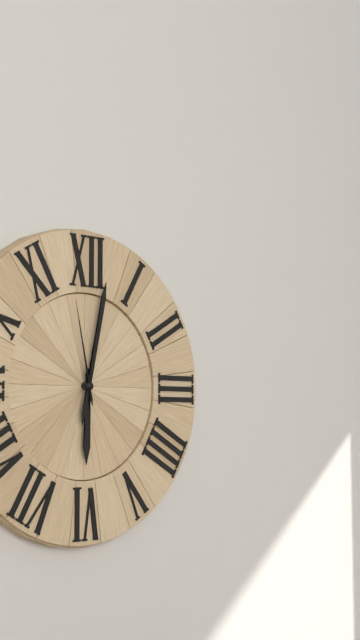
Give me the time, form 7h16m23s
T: 6h02m58s
